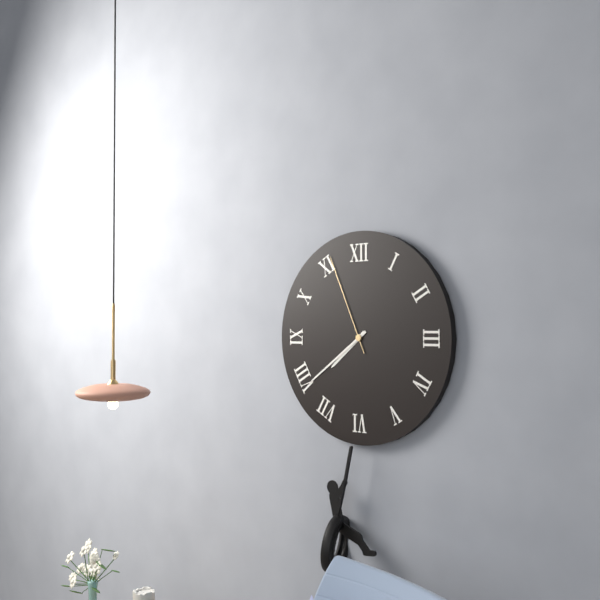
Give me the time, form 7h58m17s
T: 7h39m56s
